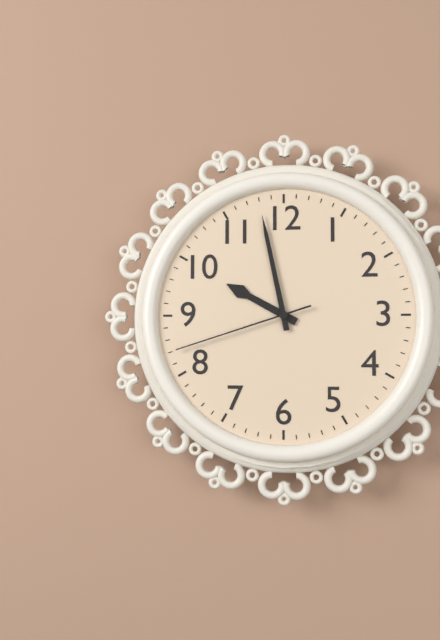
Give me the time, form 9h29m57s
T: 9h58m42s
